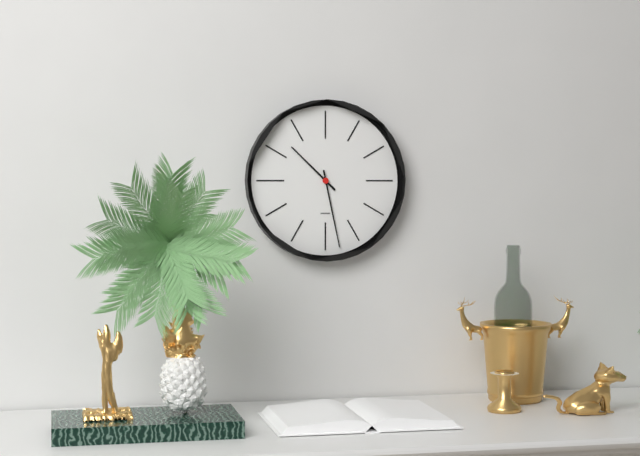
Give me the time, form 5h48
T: 10h28
